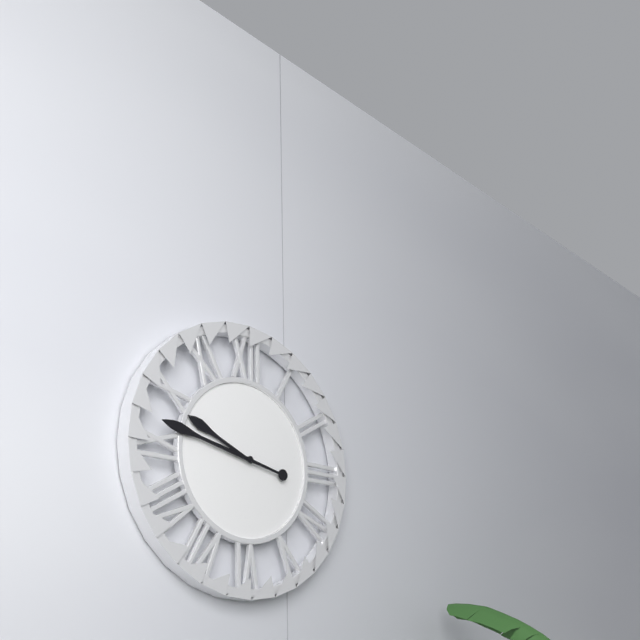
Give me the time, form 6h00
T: 9h47
